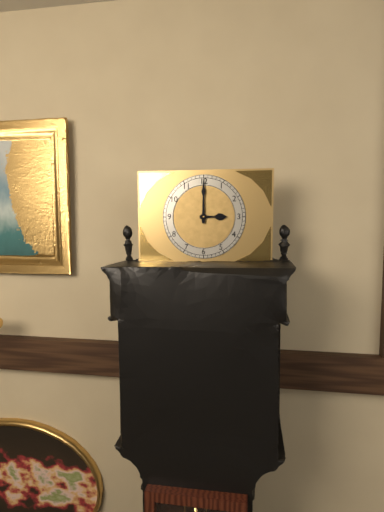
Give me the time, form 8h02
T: 3h00
